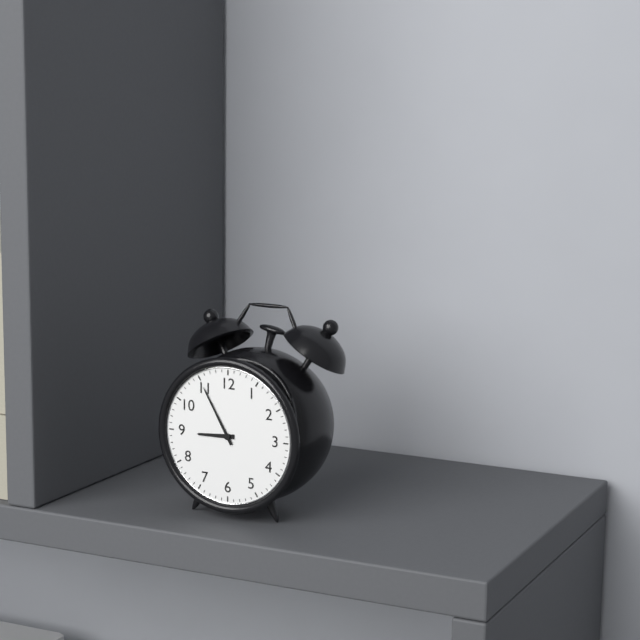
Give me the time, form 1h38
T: 8h55
